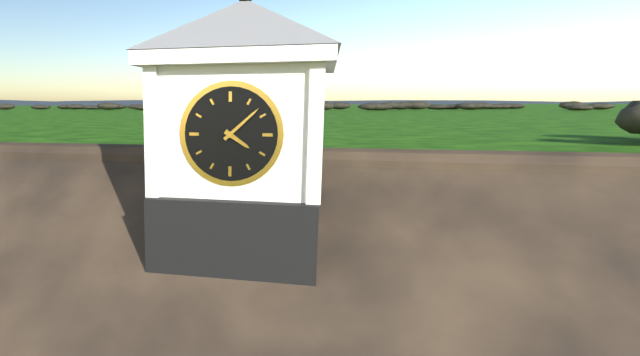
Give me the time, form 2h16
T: 4h08
